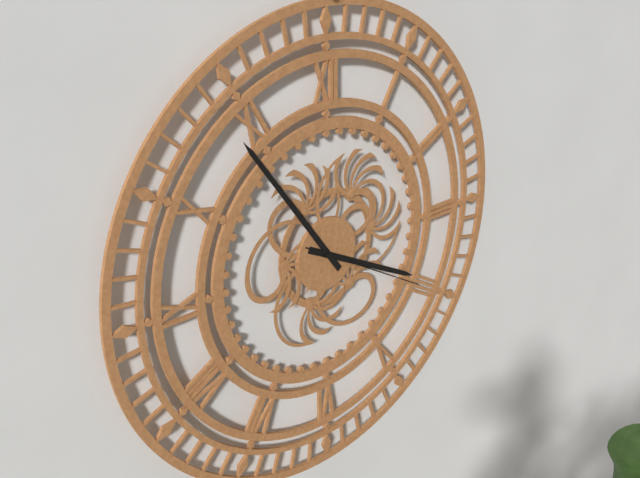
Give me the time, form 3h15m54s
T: 3h54m20s
